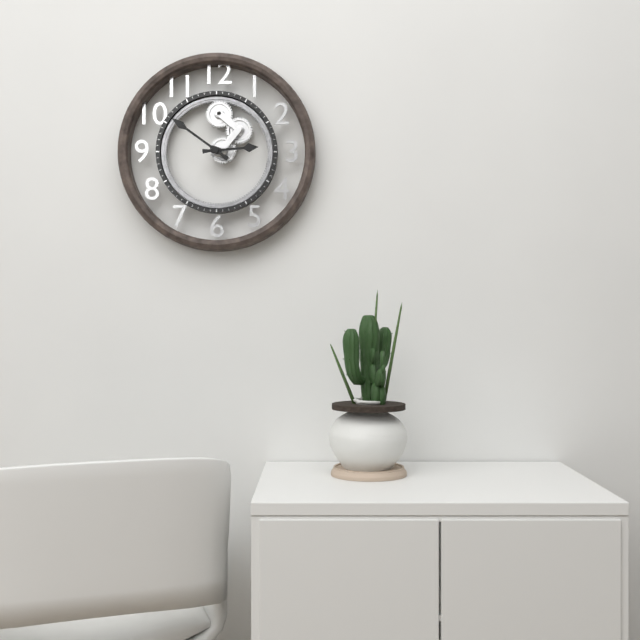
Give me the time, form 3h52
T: 2h51
